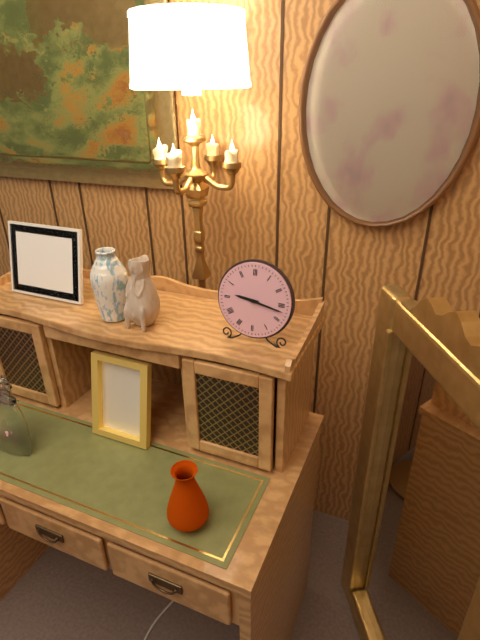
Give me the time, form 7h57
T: 9h17
